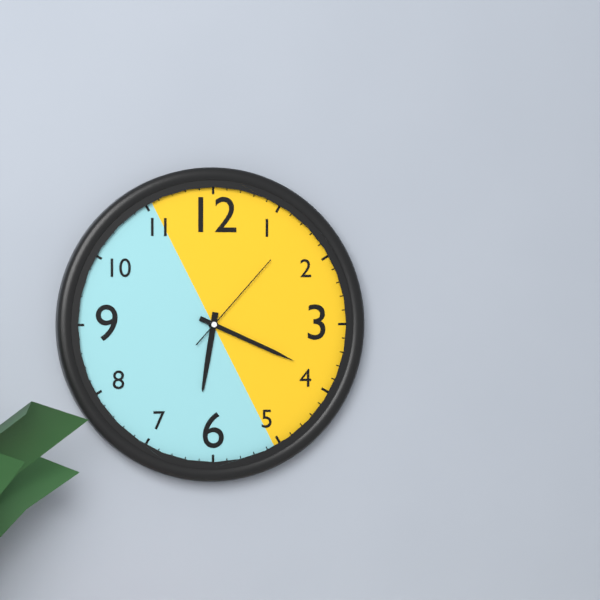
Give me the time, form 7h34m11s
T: 6h19m07s
